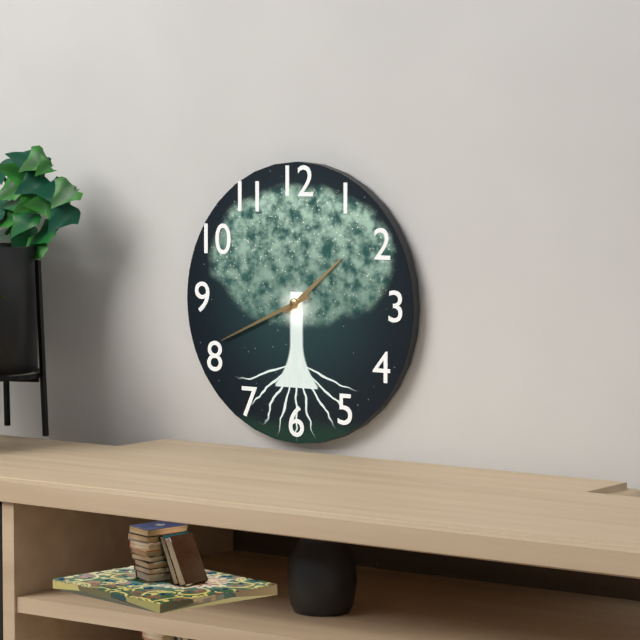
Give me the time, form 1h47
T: 1h41
